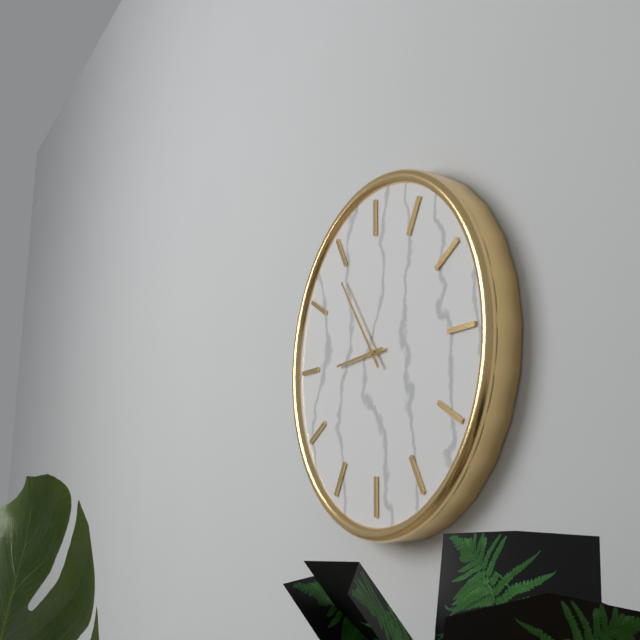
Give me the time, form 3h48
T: 8h54
